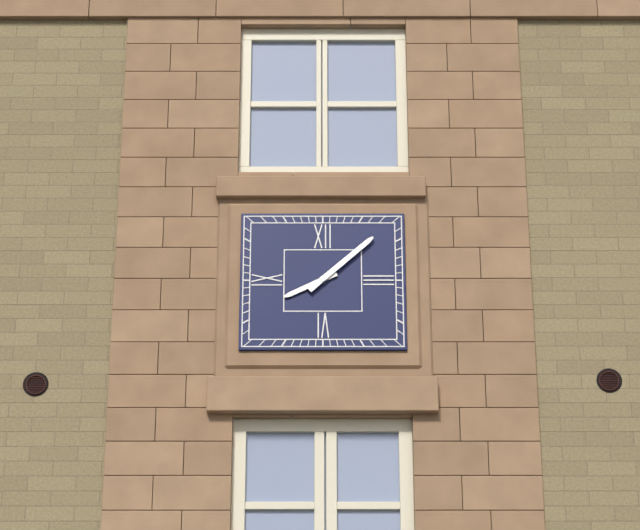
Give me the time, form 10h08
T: 8h08
